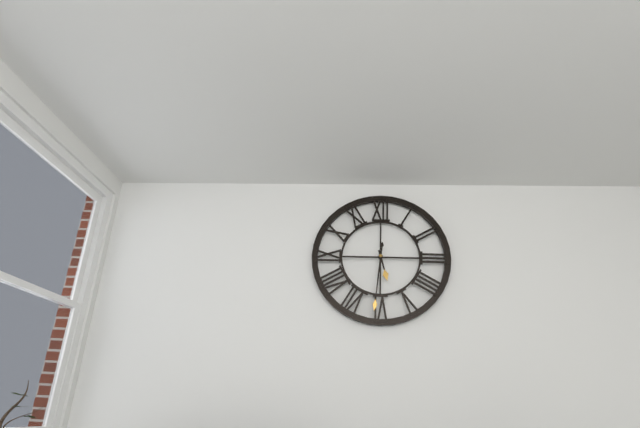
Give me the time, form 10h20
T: 5h31
